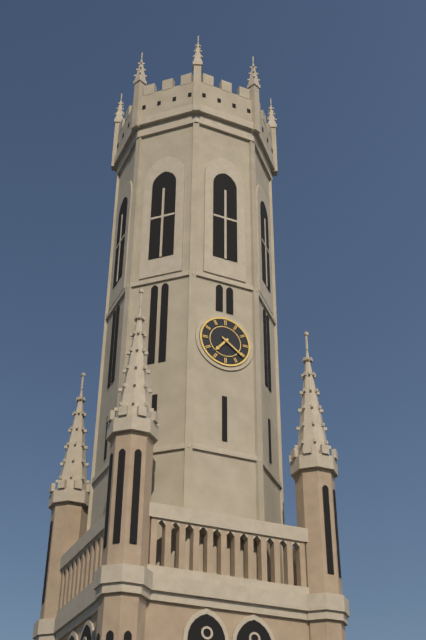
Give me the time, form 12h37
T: 7h21
